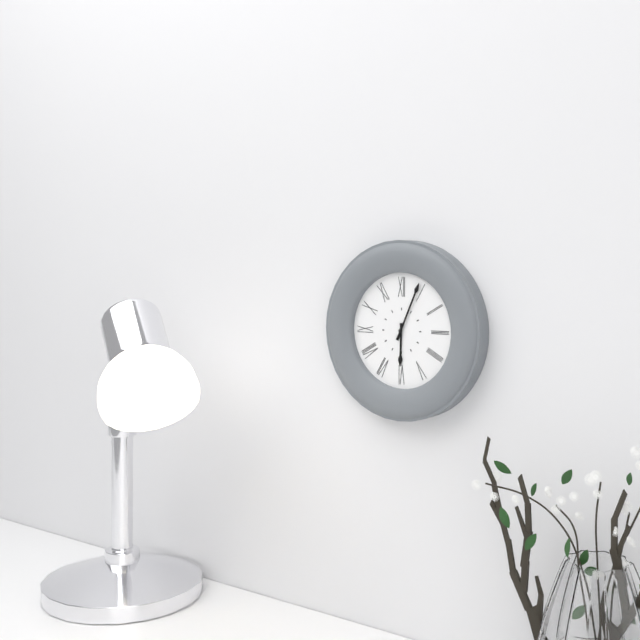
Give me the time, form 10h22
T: 6h04
